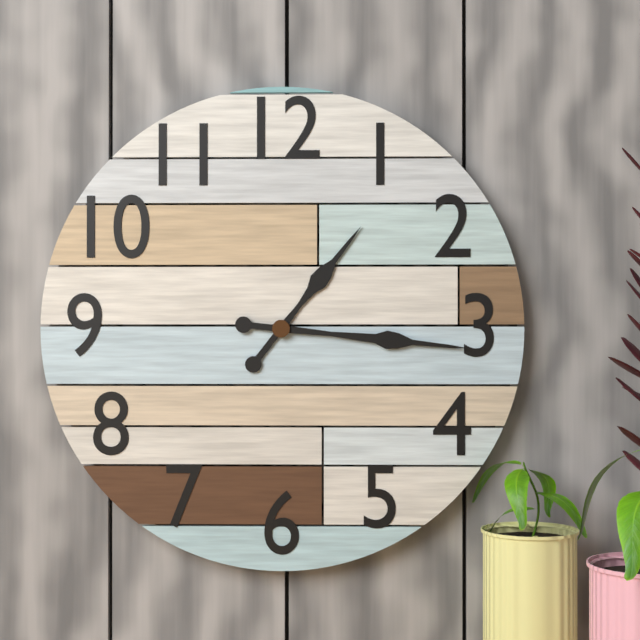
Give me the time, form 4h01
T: 1h16
